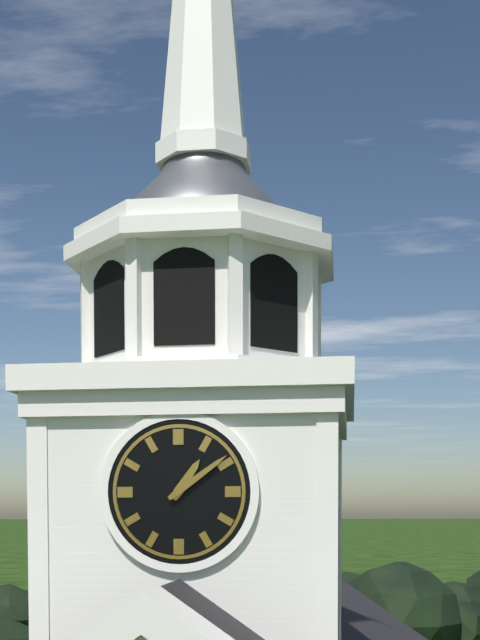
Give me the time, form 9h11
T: 1h09
